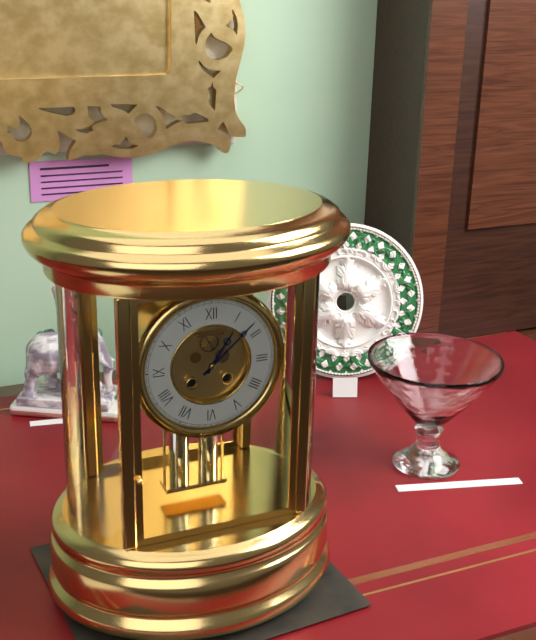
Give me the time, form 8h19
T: 1h08
